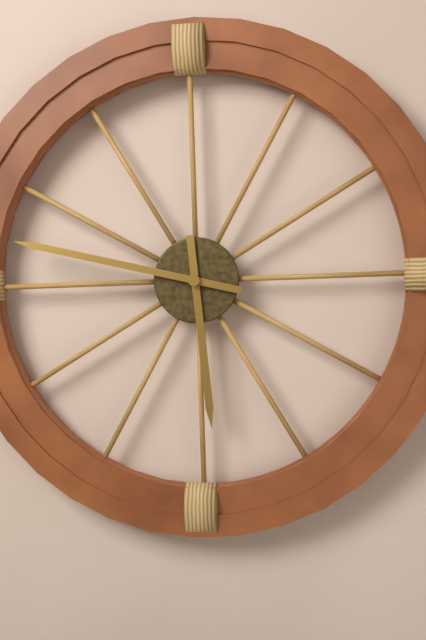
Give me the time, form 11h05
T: 5h47
